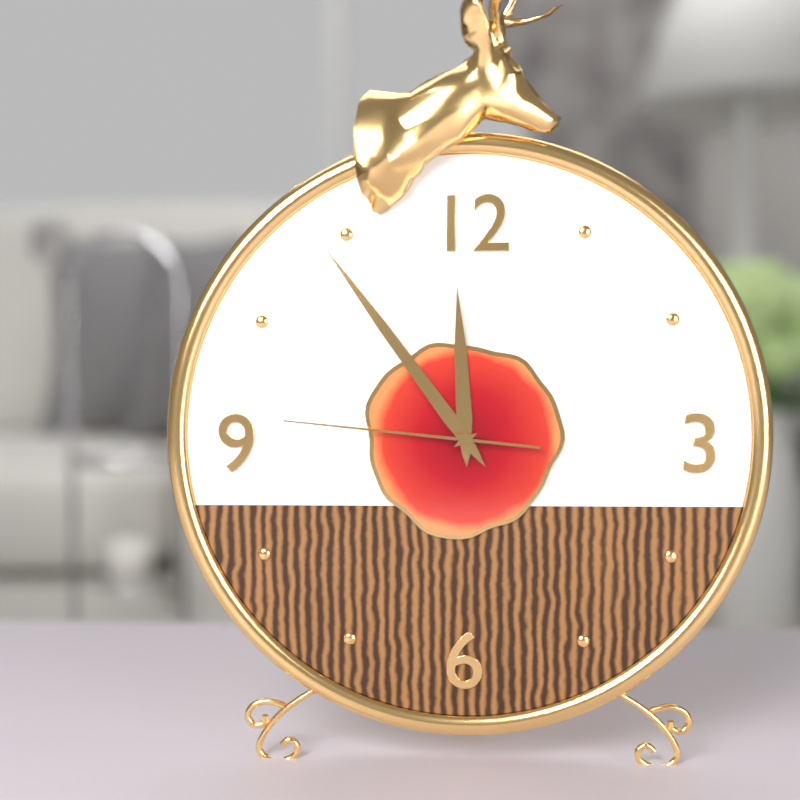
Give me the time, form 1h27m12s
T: 11h54m46s
